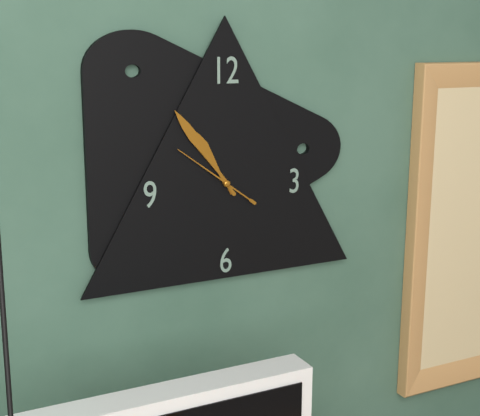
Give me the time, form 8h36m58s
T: 10h54m51s
